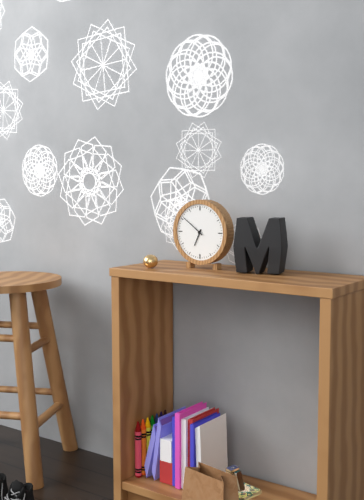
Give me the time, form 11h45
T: 6h51
